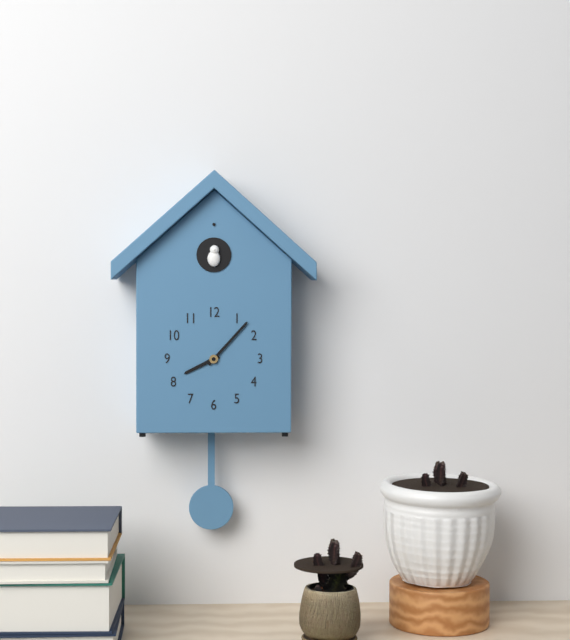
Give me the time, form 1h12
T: 8h07
